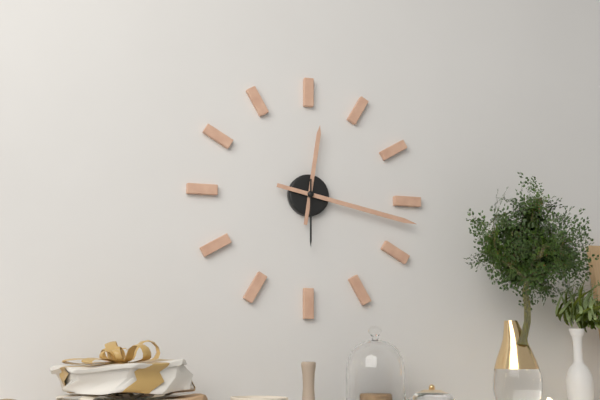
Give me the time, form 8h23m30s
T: 12h17m30s
